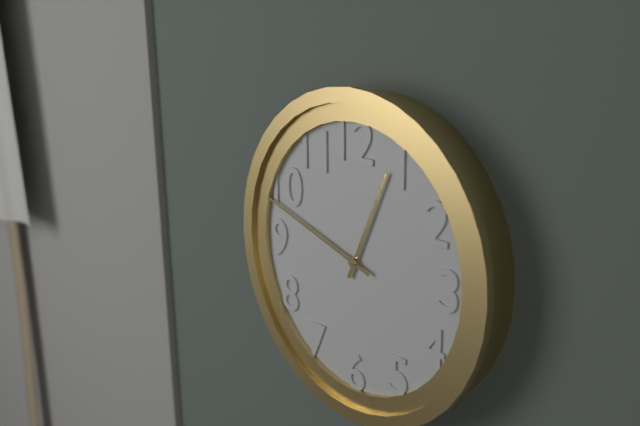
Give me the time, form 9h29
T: 12h48
